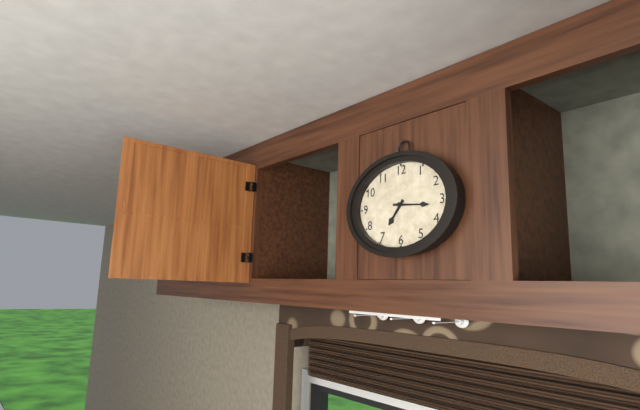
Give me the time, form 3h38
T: 7h16
